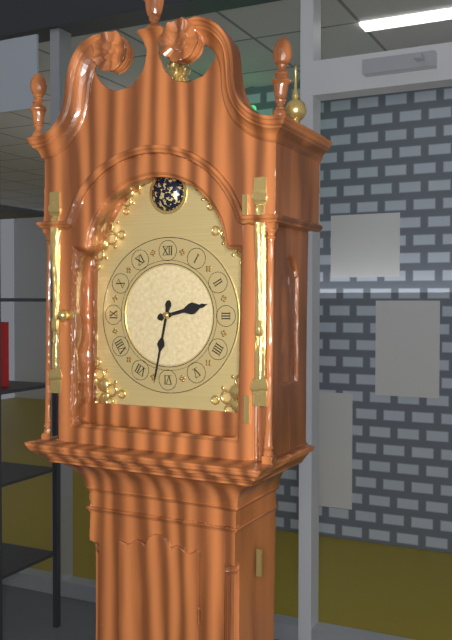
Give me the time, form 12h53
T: 2h32
